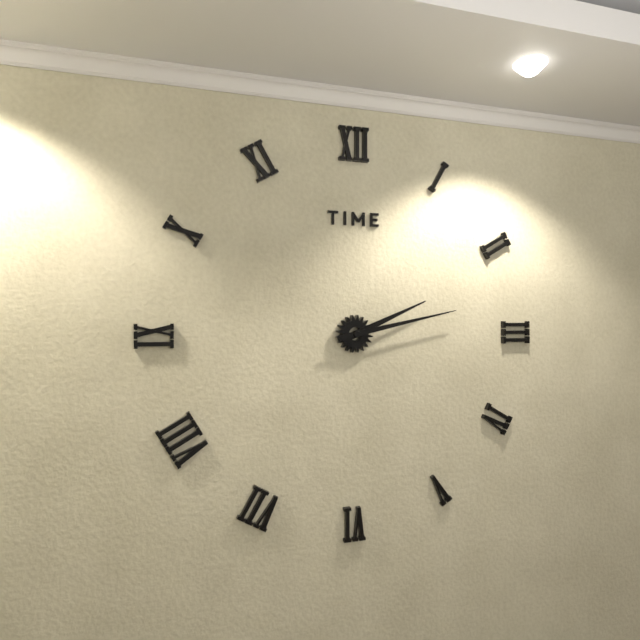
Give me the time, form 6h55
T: 2h13
